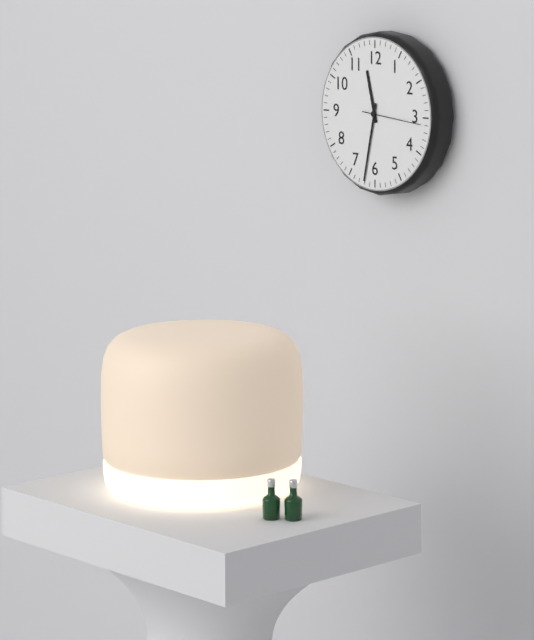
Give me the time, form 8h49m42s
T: 11h32m16s
